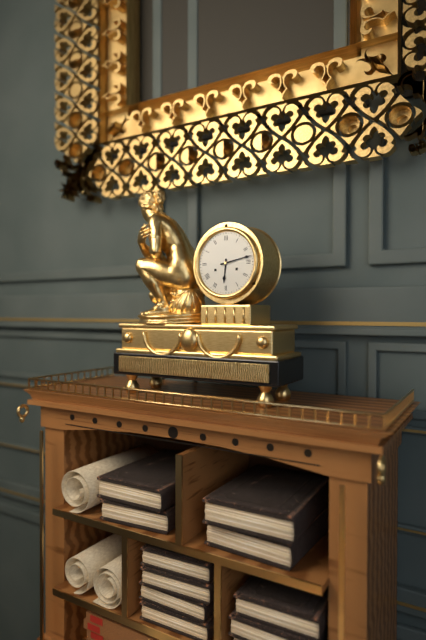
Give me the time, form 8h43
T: 6h13
